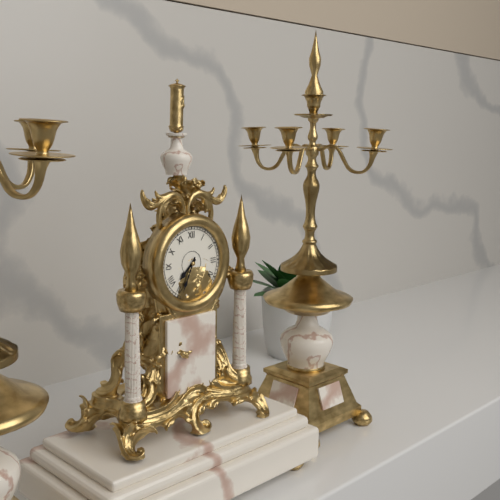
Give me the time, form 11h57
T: 7h34
